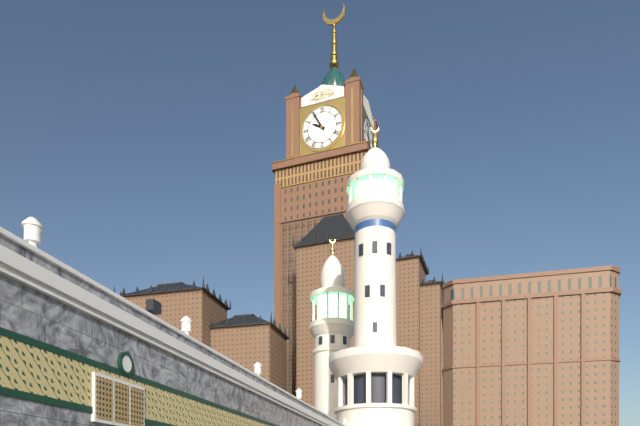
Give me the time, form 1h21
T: 9h55
